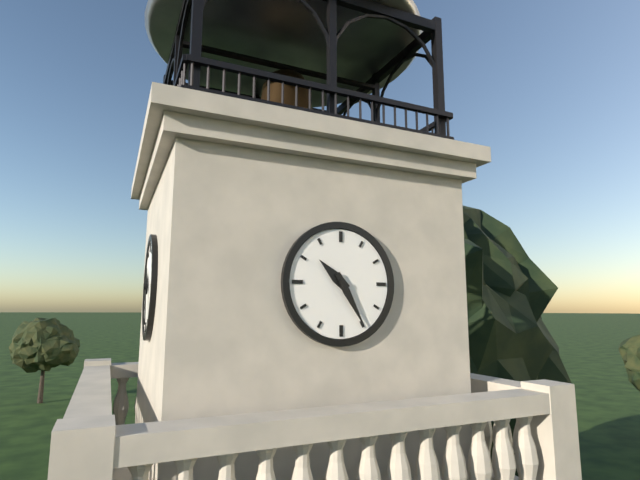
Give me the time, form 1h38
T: 10h25
